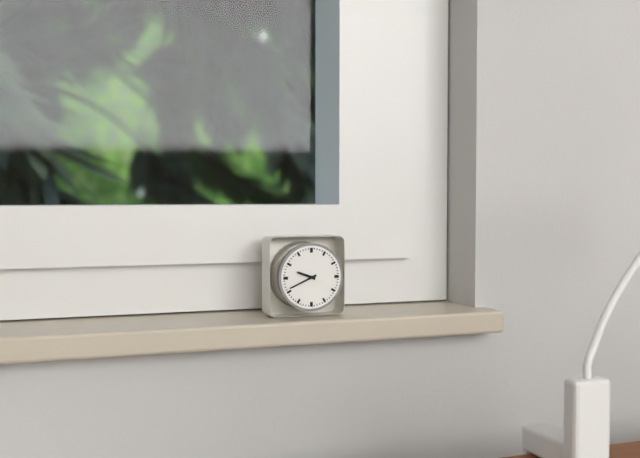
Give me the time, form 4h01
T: 9h41
